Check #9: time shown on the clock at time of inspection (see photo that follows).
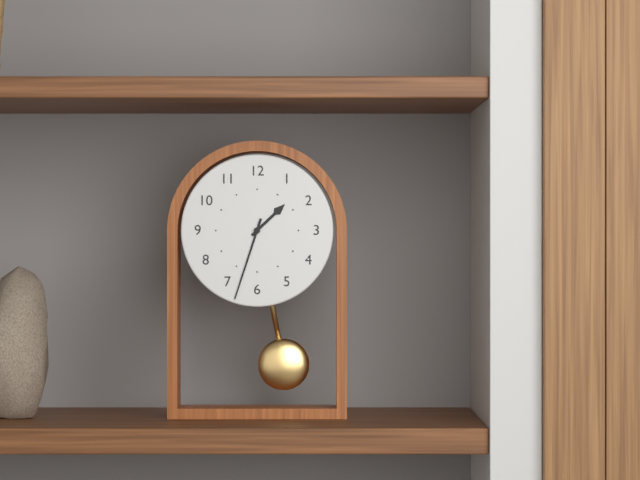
1:33
